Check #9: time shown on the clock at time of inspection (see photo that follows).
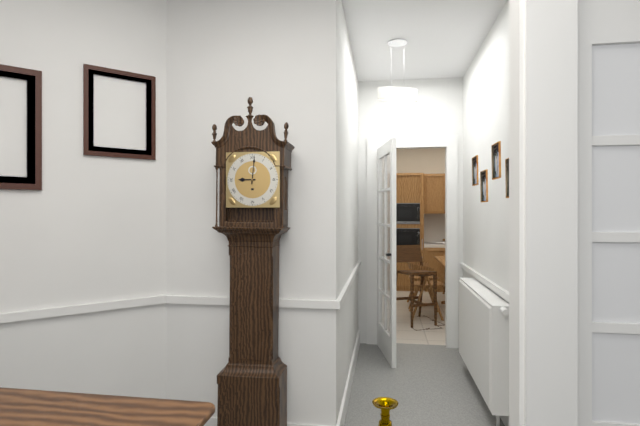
9:01
